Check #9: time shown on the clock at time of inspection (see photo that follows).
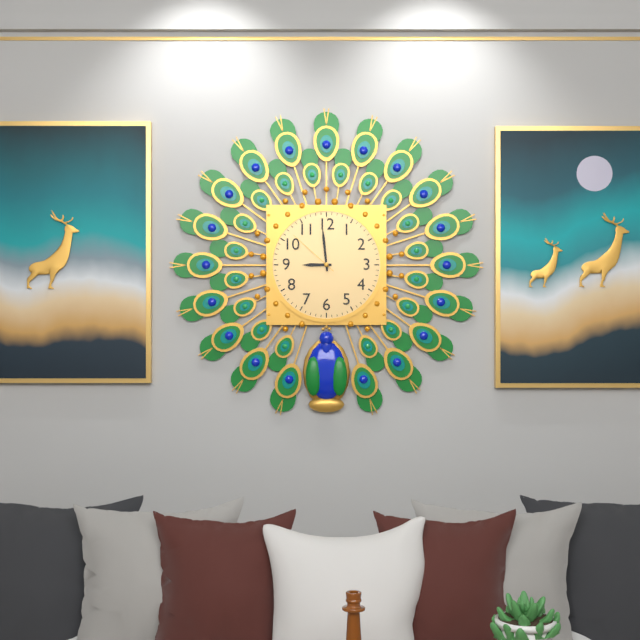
8:59:52
